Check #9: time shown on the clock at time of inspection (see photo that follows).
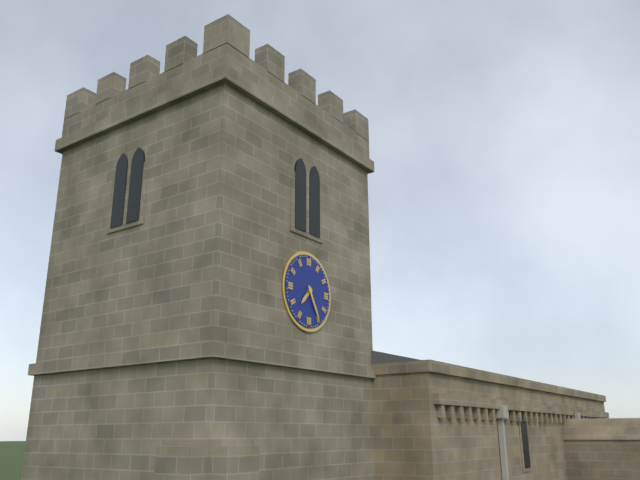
7:25
